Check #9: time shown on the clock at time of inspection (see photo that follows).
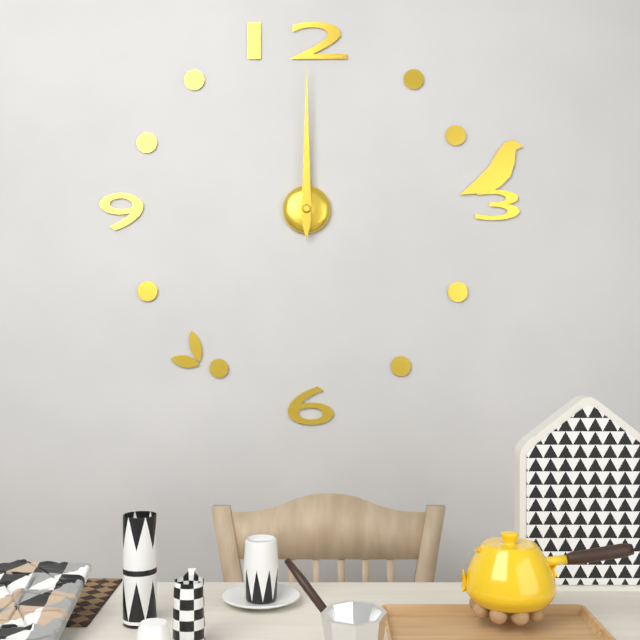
12:00
